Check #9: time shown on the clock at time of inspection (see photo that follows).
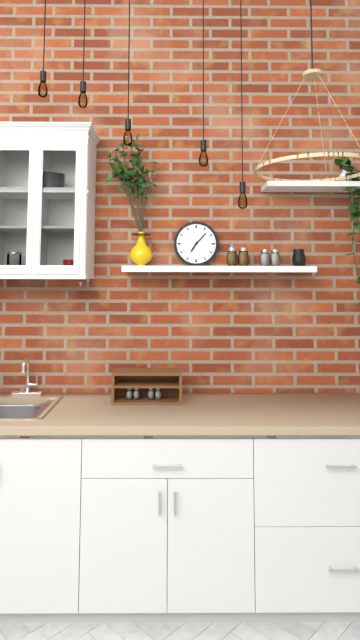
7:07
